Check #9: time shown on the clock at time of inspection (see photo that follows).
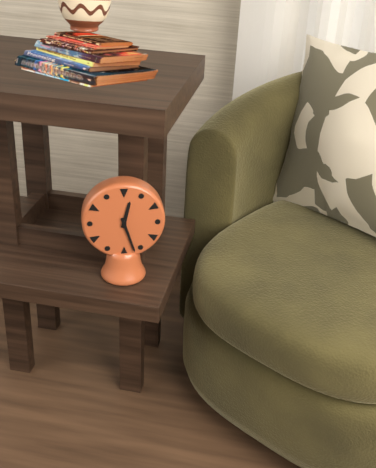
12:27
